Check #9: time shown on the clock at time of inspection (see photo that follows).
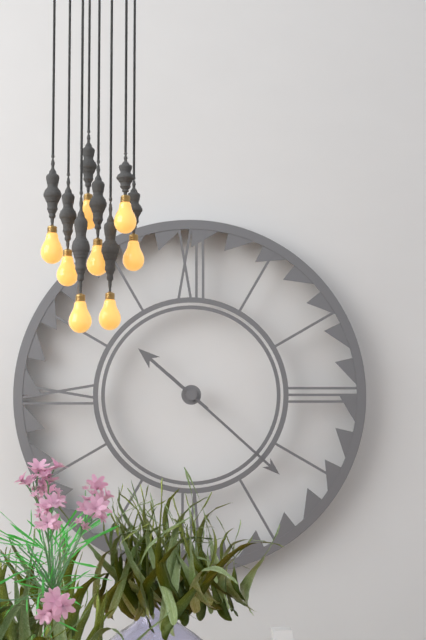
10:22
